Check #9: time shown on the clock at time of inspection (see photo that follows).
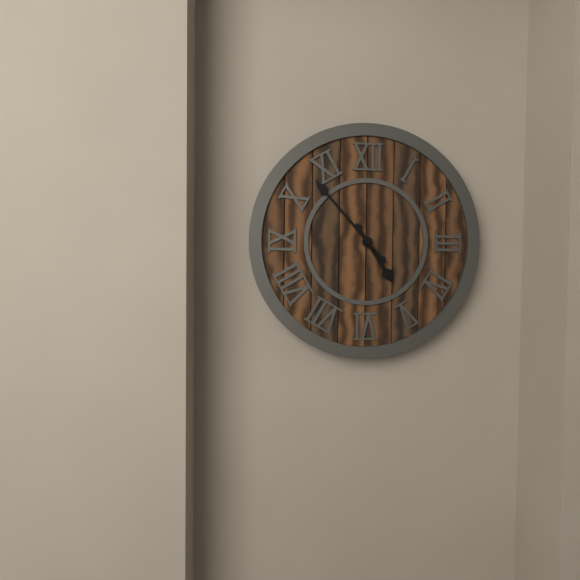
4:53
